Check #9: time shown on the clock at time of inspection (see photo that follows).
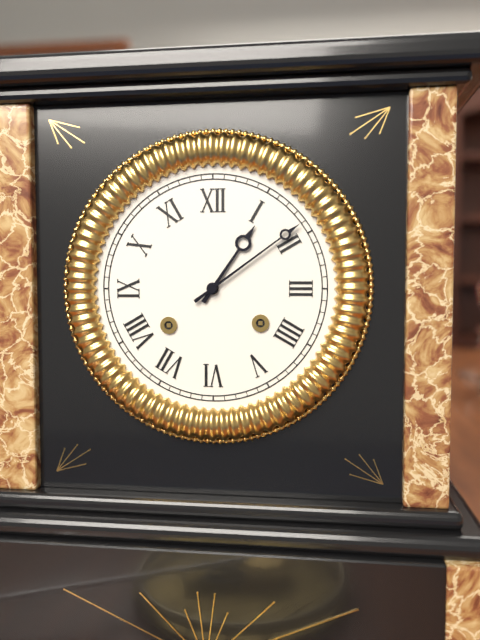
1:09
